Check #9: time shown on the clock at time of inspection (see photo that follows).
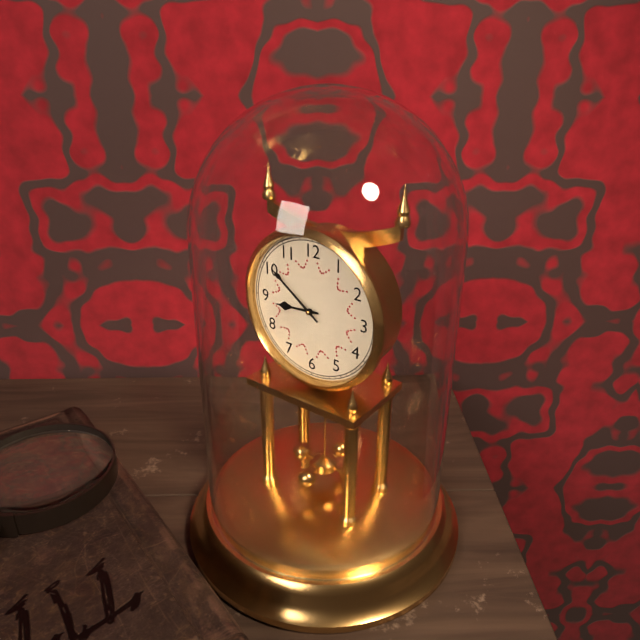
8:51
